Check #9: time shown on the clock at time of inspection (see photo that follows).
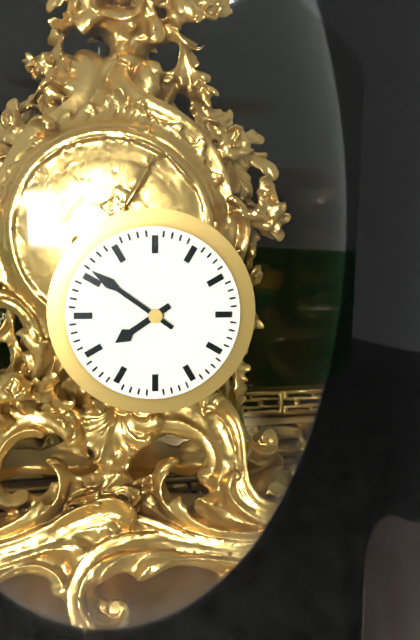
7:51
